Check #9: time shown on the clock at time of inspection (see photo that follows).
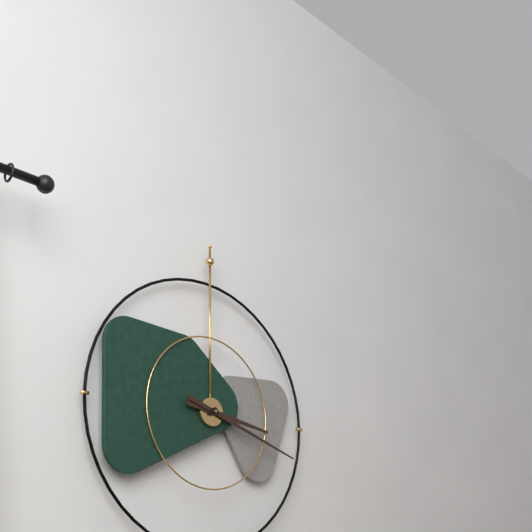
3:18
